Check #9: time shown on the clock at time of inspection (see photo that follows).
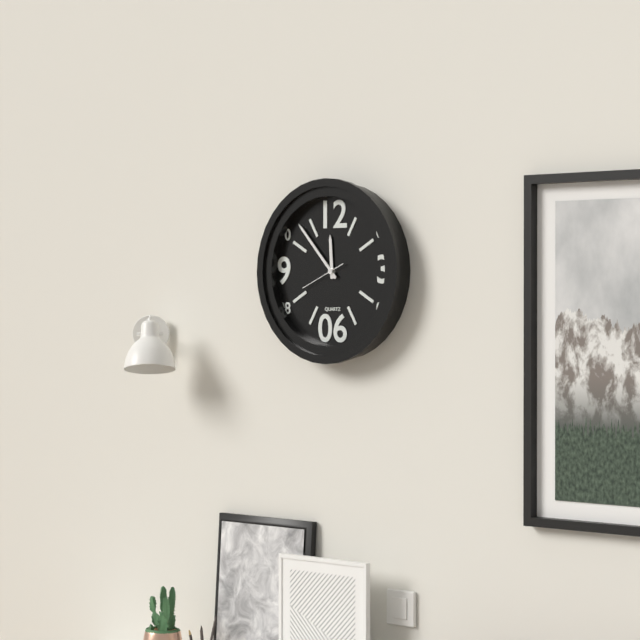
11:53:41
